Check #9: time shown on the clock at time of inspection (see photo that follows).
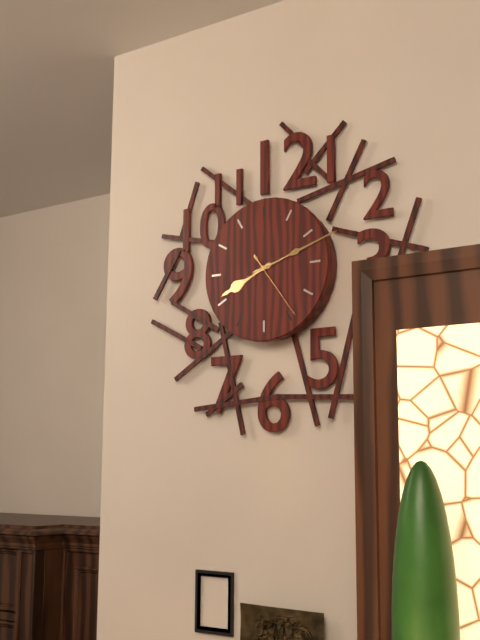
8:12:24
